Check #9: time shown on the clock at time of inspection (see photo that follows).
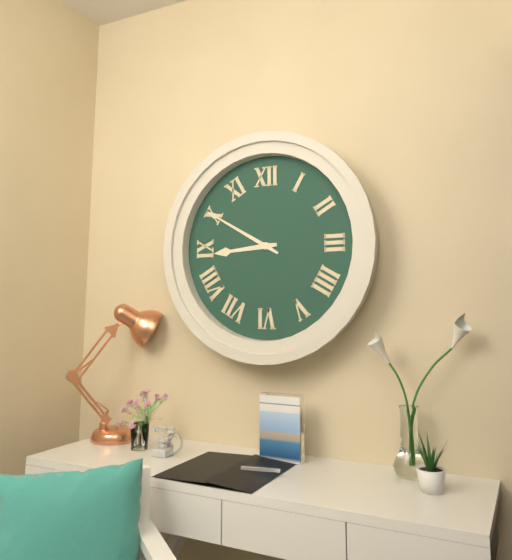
8:50
